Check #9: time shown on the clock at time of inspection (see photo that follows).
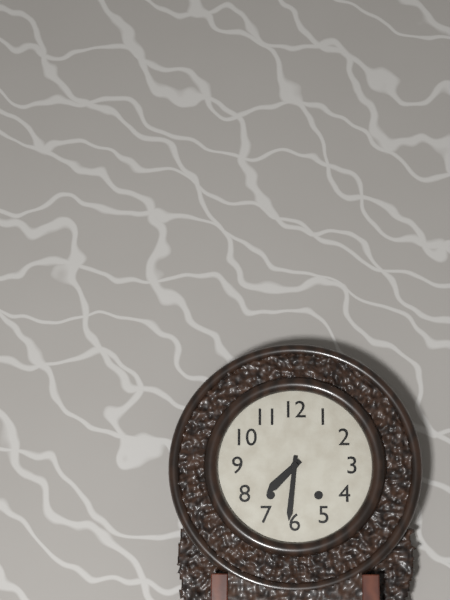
7:31
